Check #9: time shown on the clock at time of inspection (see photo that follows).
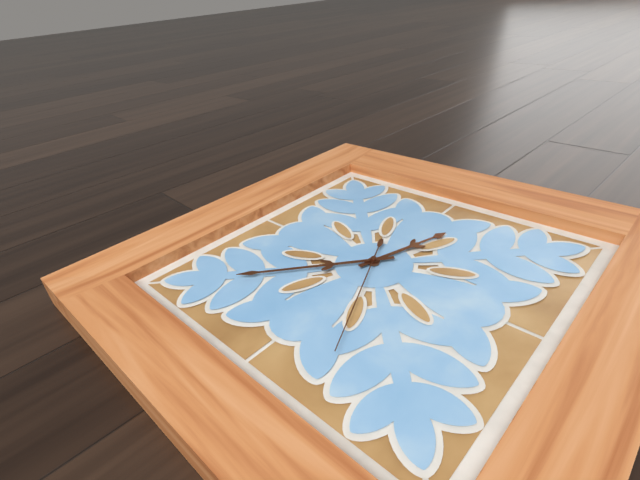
12:37:26
